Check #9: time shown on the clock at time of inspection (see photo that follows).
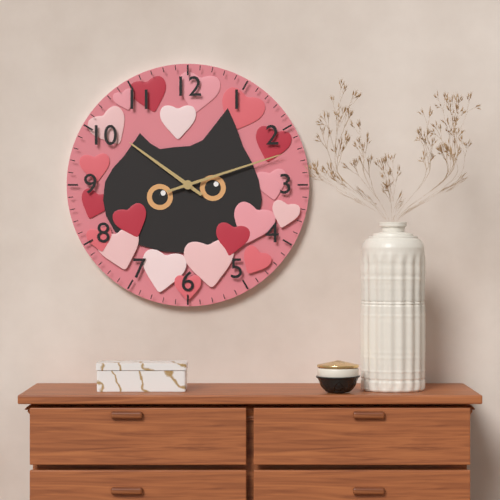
10:12
